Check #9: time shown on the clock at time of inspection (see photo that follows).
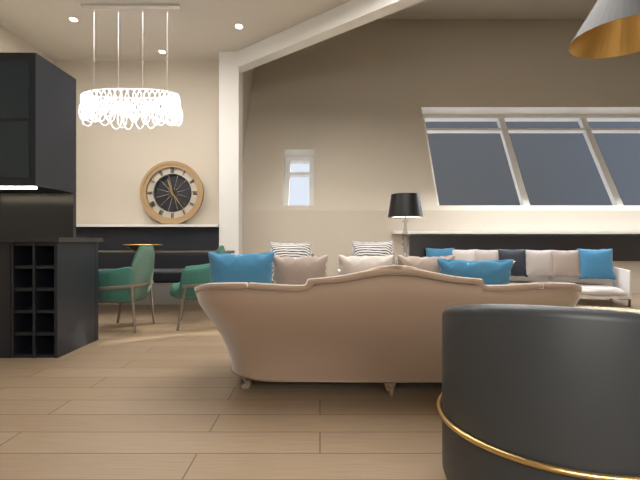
11:24
